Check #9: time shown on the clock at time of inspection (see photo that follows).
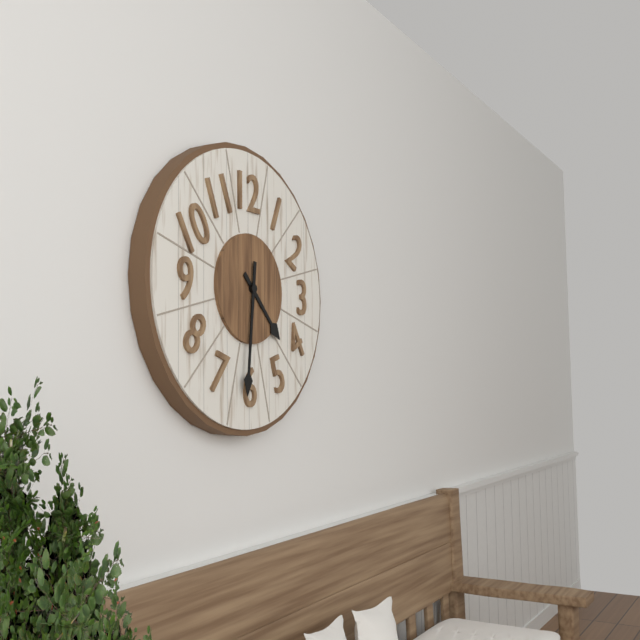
4:31
